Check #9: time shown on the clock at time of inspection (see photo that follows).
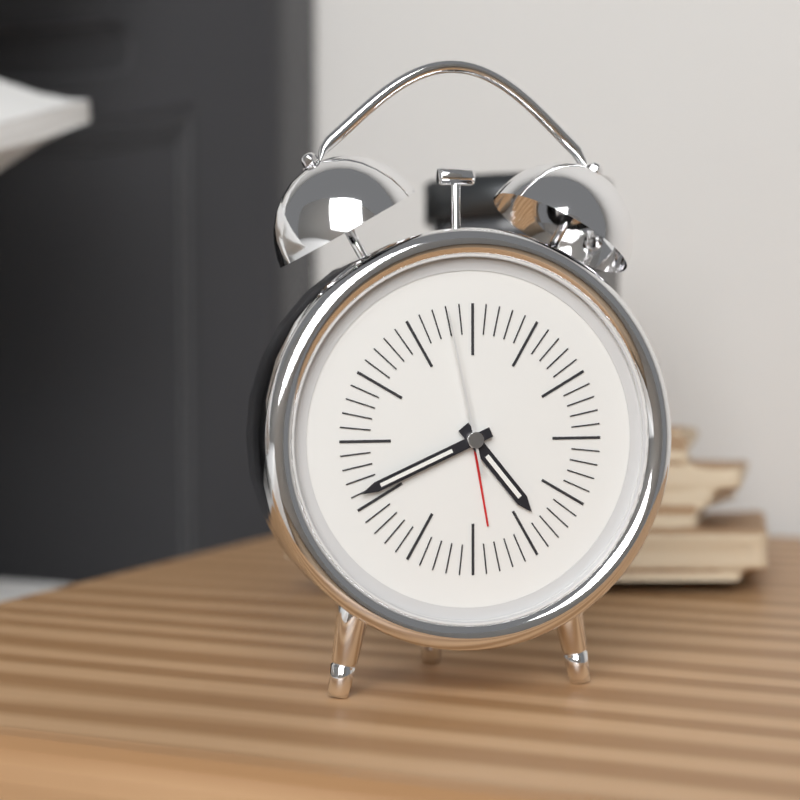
4:41:58
